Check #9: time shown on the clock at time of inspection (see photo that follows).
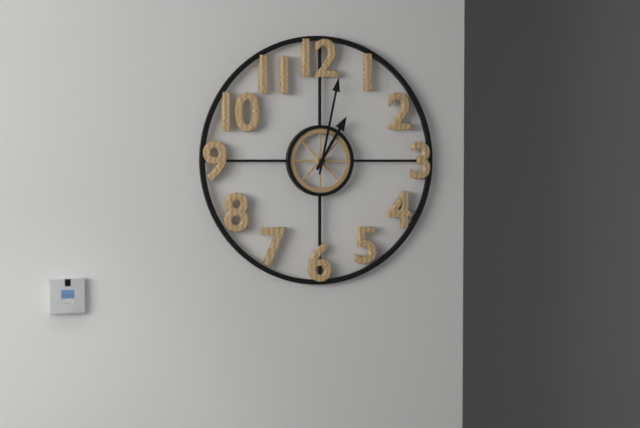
1:02
